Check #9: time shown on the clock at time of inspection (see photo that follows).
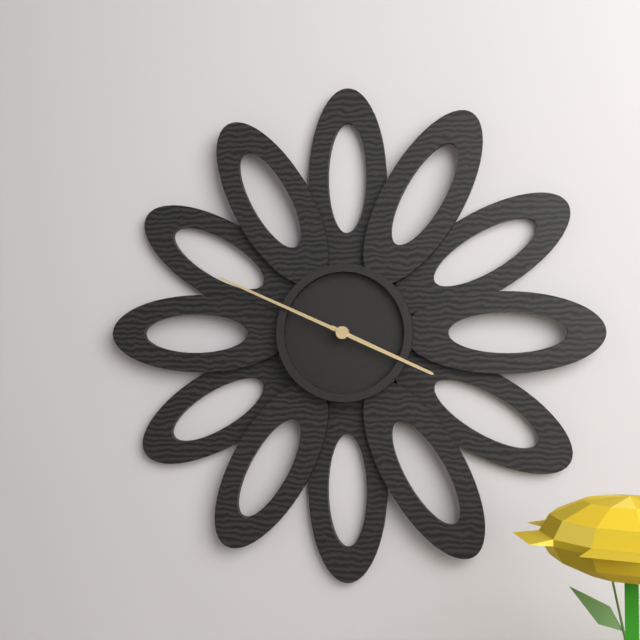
3:49
